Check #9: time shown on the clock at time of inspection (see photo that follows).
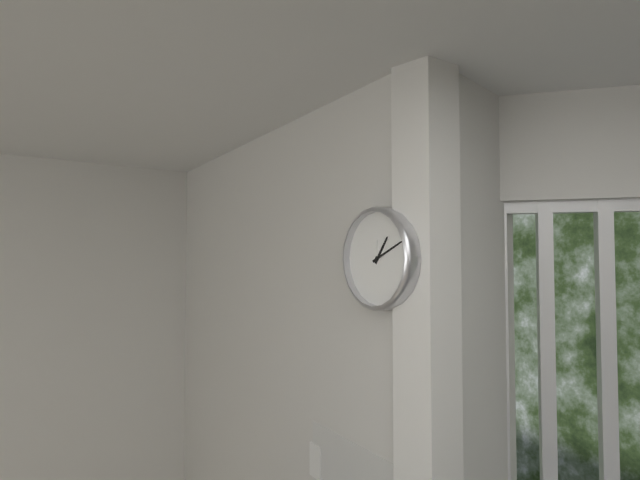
1:11
